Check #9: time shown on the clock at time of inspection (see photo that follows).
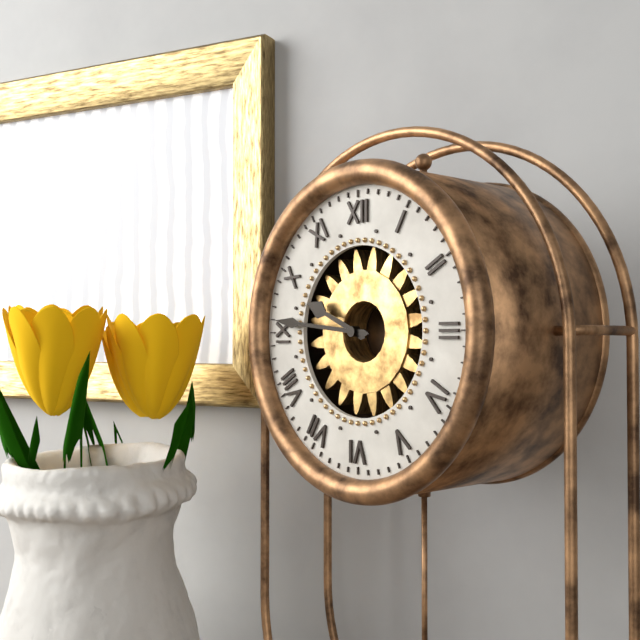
9:46
